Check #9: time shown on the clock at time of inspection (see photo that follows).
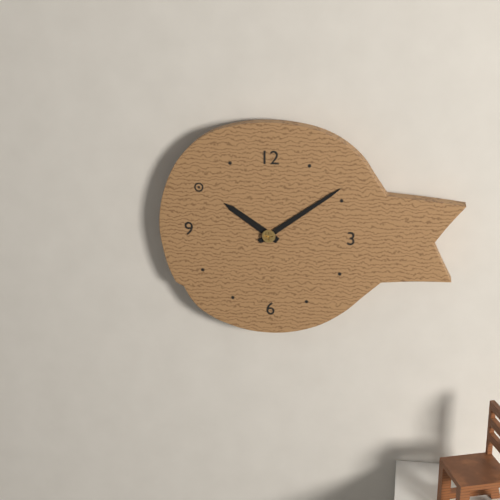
10:09
